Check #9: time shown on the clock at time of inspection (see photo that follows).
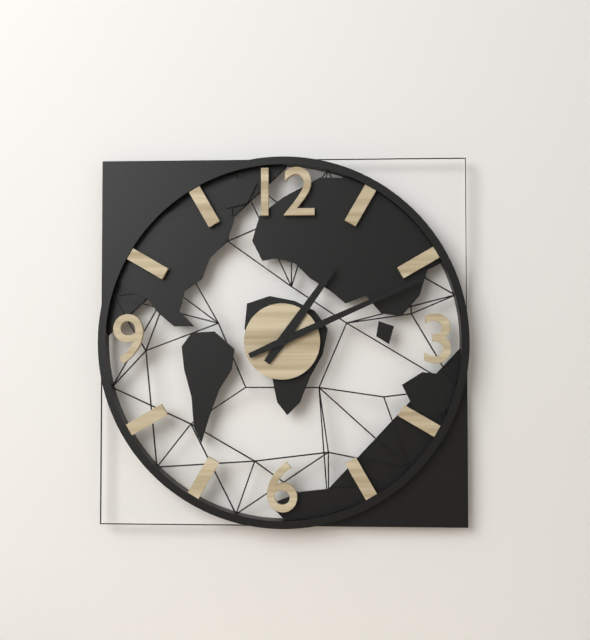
1:11
